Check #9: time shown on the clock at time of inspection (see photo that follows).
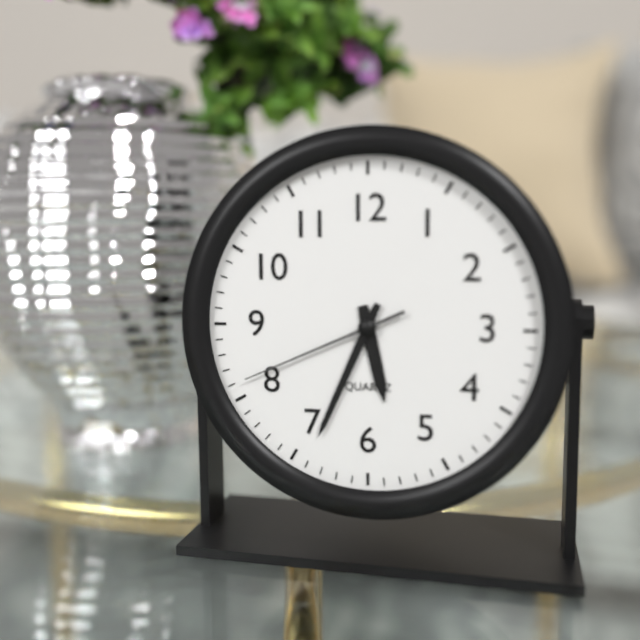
5:34:41
